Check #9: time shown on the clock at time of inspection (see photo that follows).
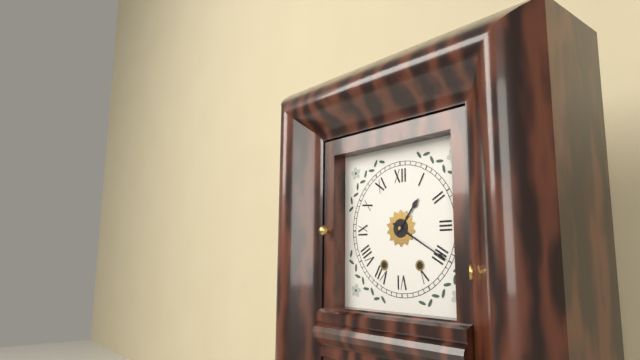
1:20
